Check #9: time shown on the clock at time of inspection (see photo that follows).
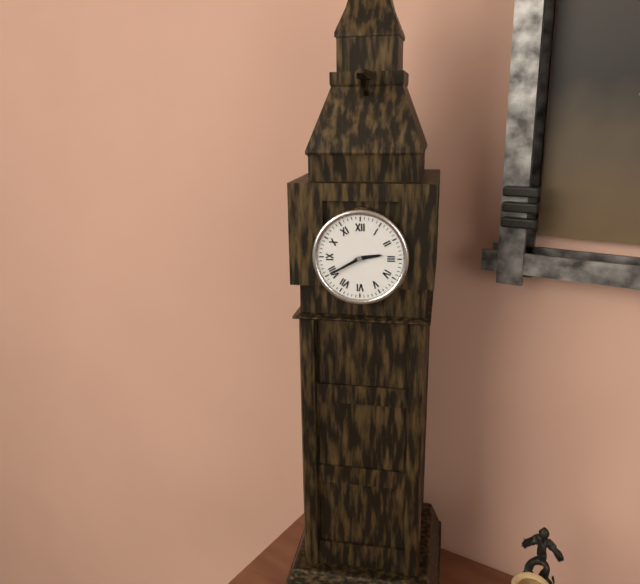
2:40
